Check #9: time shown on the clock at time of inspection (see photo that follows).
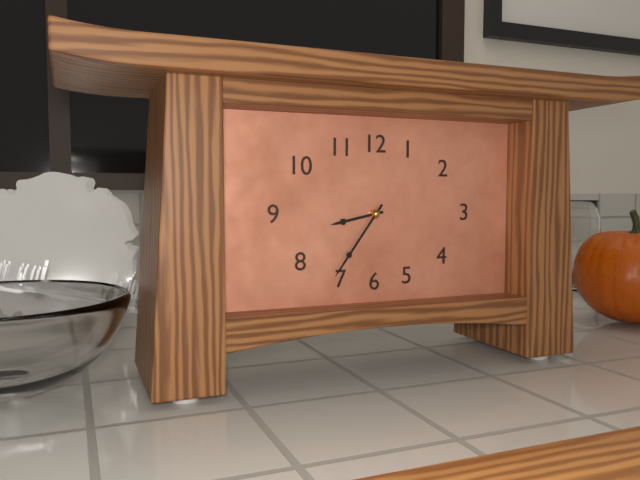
8:36
